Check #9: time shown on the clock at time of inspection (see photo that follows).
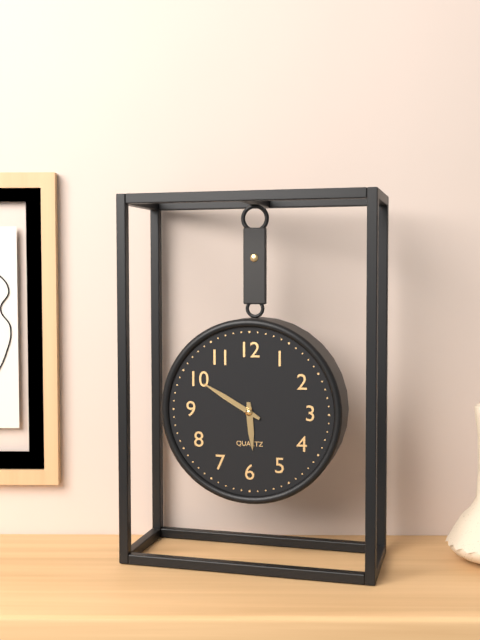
5:50
